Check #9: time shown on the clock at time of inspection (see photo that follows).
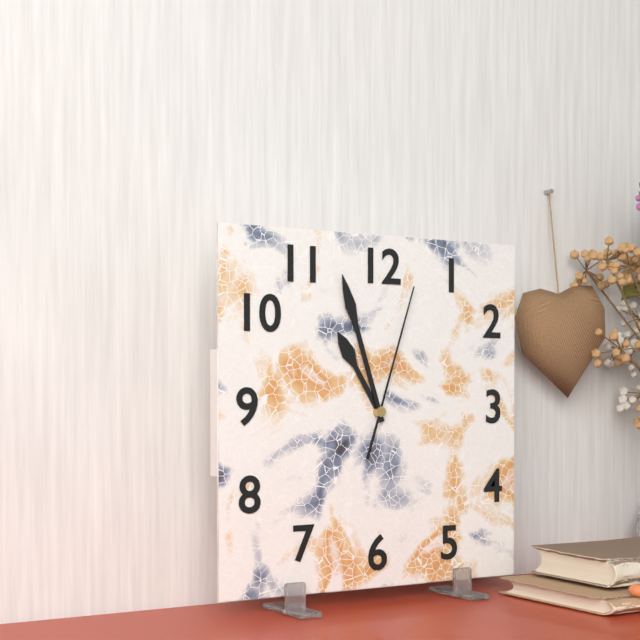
10:57:03
